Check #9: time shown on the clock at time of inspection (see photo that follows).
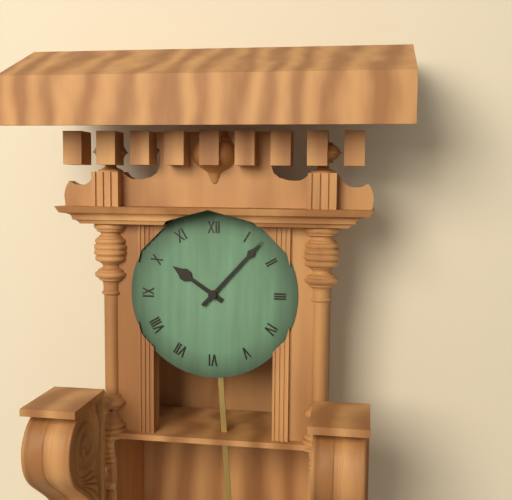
10:07
